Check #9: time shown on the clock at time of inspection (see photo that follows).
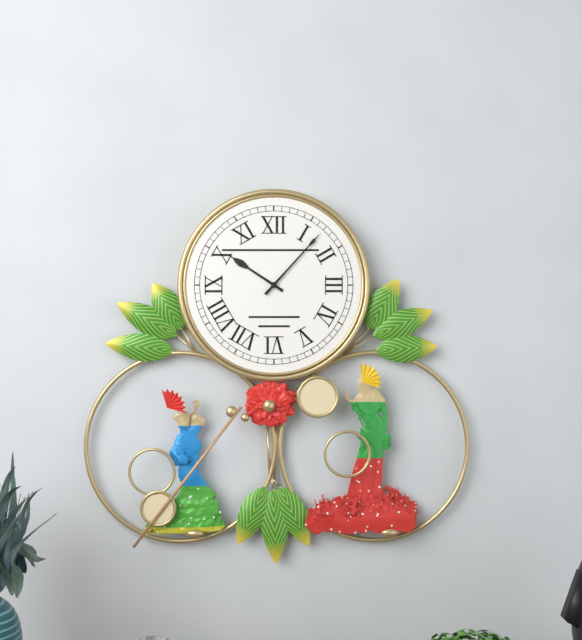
10:07
